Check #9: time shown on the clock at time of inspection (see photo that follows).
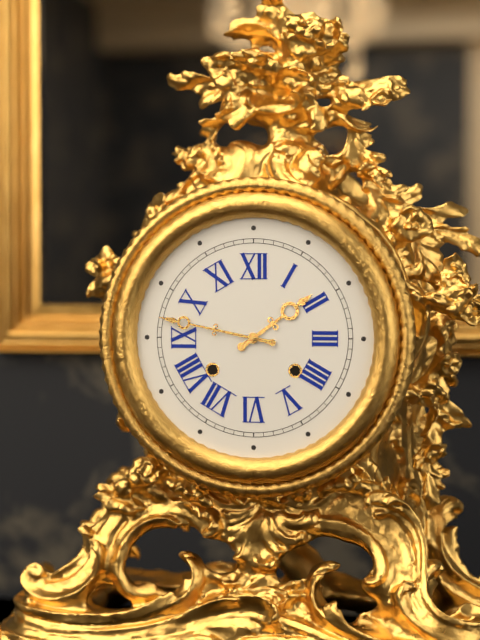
1:47
